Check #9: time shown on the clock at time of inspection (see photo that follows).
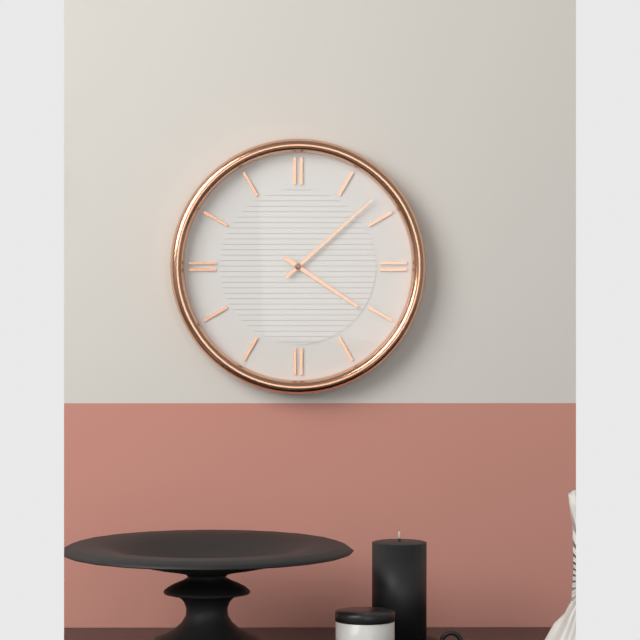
4:08
